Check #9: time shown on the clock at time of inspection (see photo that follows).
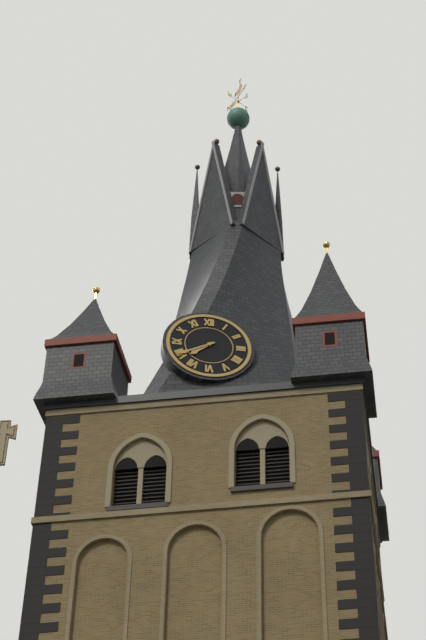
7:40
